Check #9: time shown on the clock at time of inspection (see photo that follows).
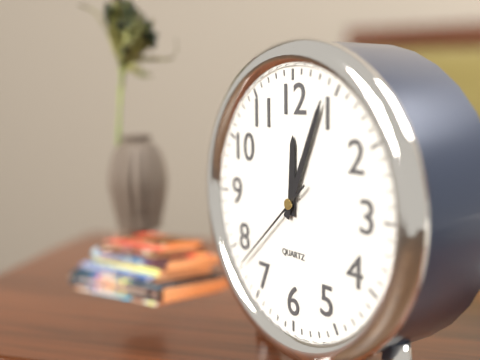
12:04:38
